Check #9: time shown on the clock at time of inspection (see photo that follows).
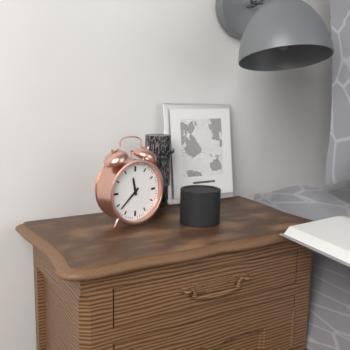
11:38
